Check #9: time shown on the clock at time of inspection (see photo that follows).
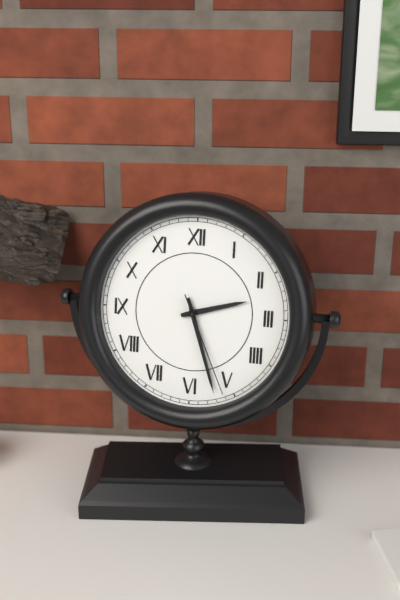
2:27:26
